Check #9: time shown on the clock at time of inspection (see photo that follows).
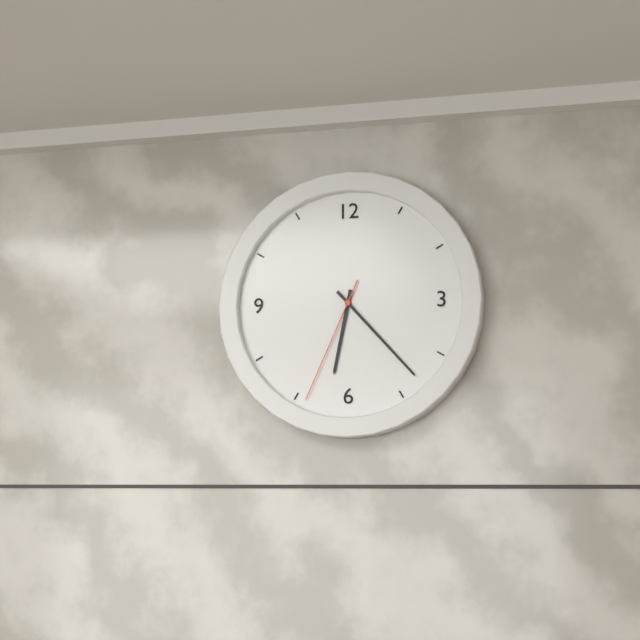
6:23:34
